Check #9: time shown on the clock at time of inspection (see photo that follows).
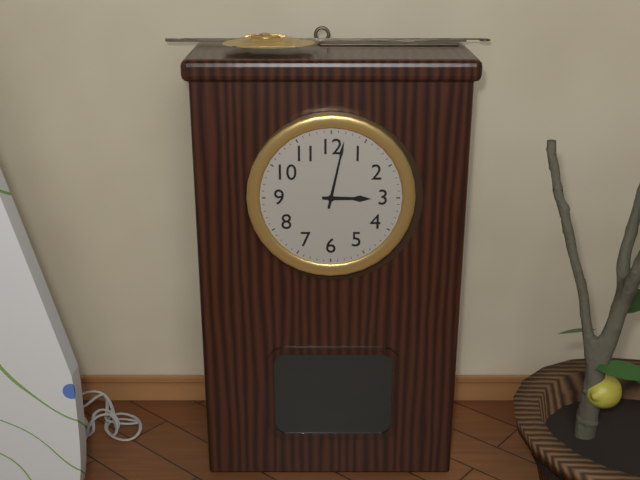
3:02
